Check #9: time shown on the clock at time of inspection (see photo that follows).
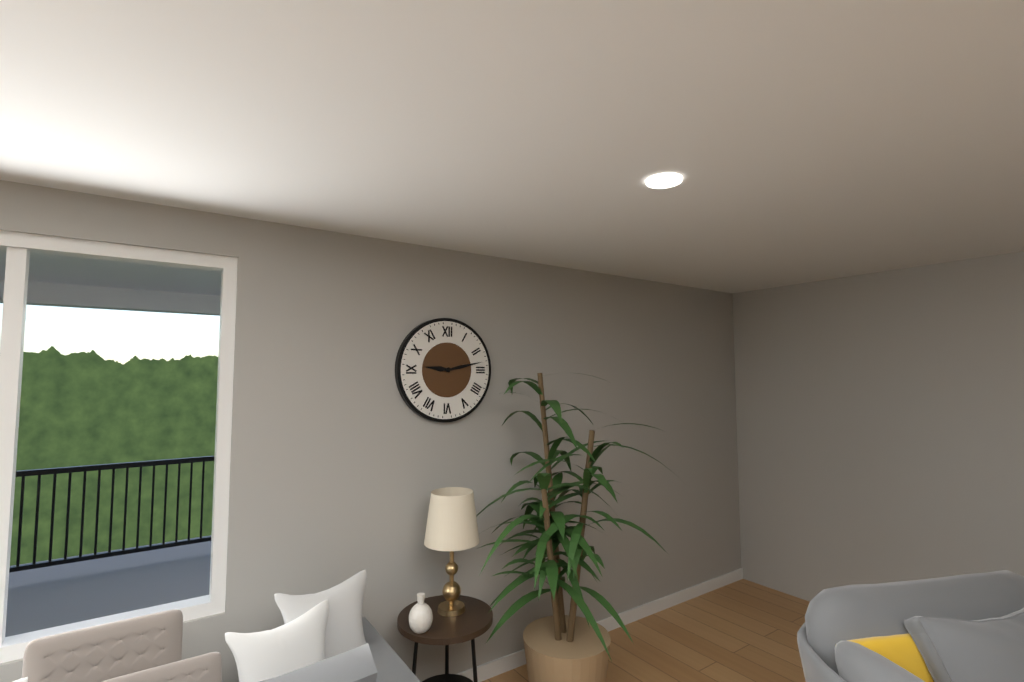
9:13
